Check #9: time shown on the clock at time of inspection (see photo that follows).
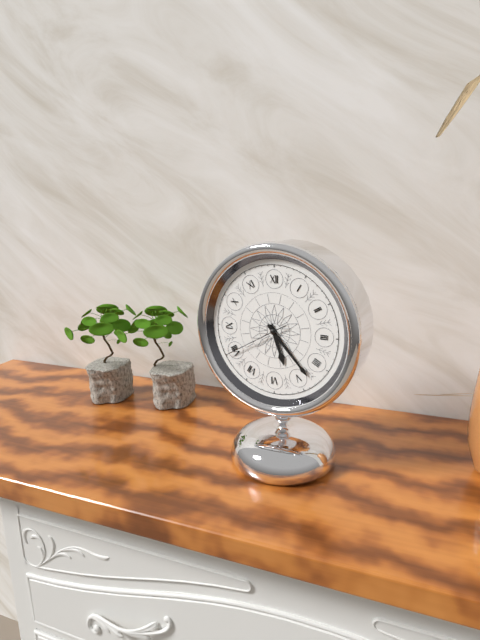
5:23:40
